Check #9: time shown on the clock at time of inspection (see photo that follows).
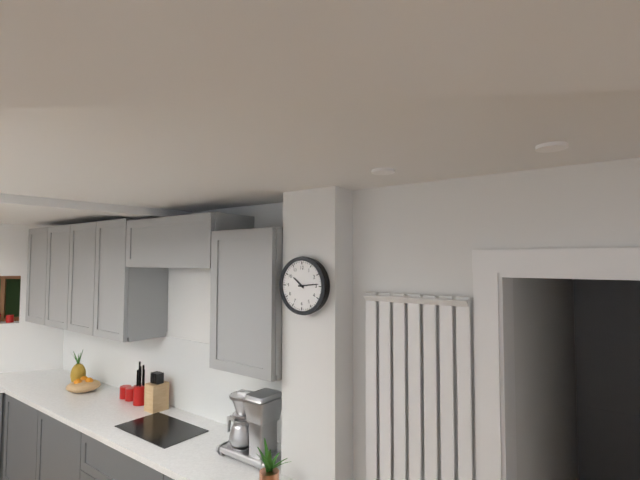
10:14
